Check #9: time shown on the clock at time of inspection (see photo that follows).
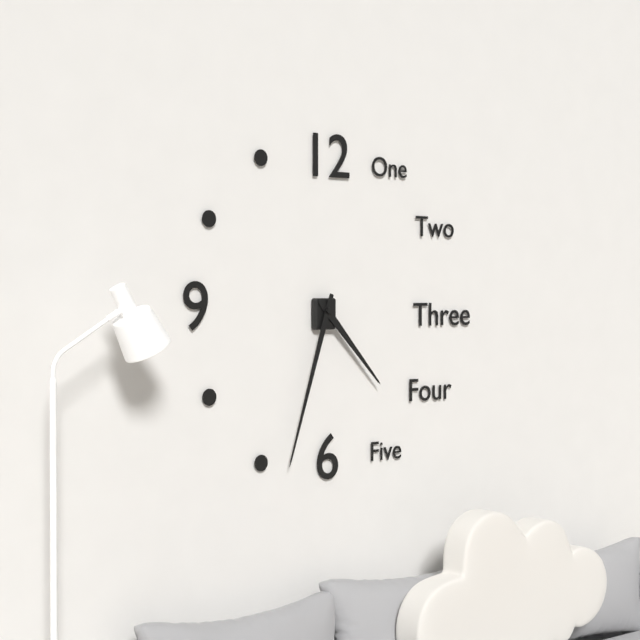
4:33
